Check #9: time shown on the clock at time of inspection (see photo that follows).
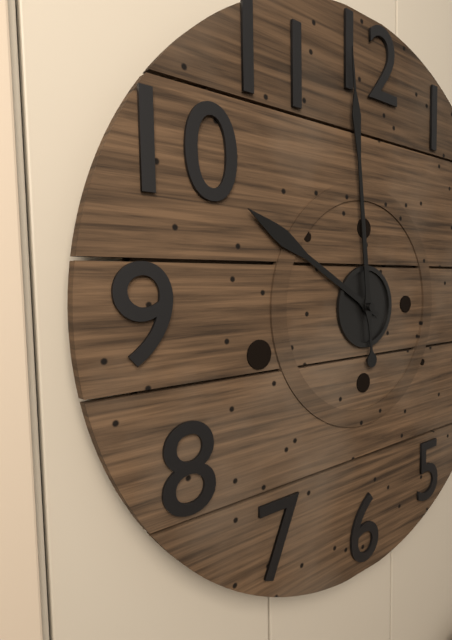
9:59
